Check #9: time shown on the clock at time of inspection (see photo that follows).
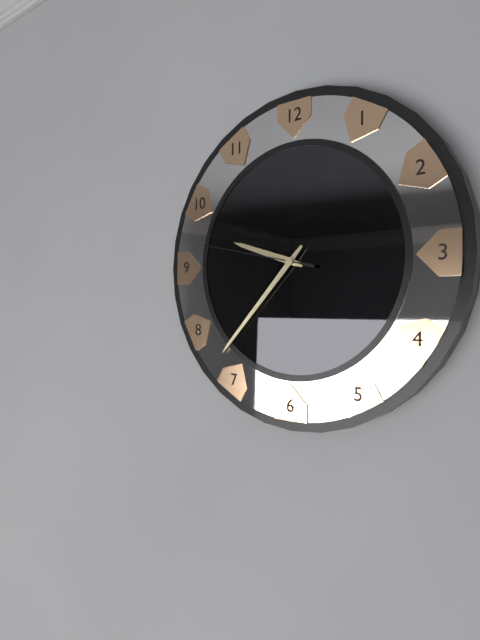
9:37:47
